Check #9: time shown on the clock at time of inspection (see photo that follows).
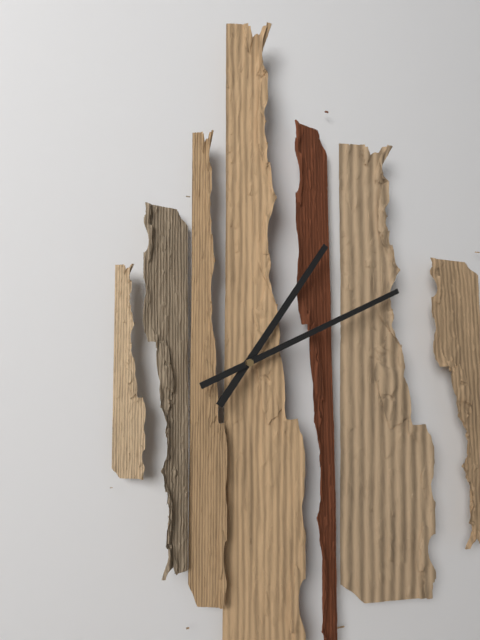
1:11
